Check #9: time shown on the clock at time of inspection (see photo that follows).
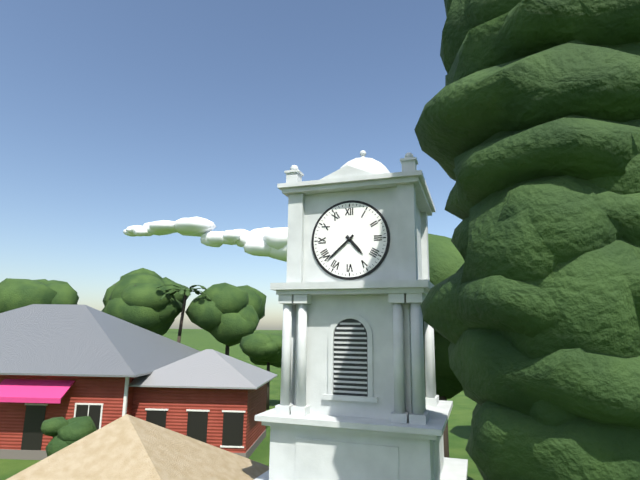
4:38
